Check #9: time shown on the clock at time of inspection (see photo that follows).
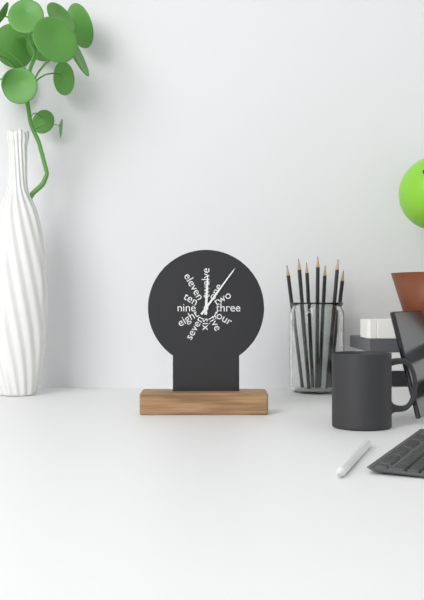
12:06
